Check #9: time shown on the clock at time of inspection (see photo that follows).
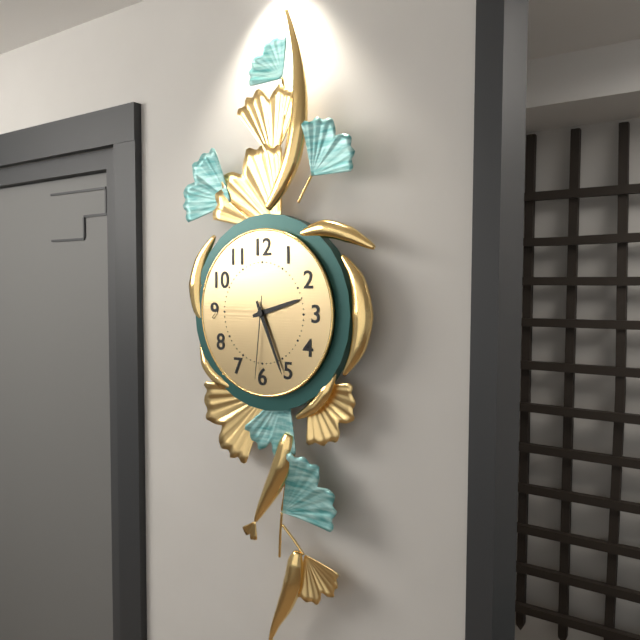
2:26:31
